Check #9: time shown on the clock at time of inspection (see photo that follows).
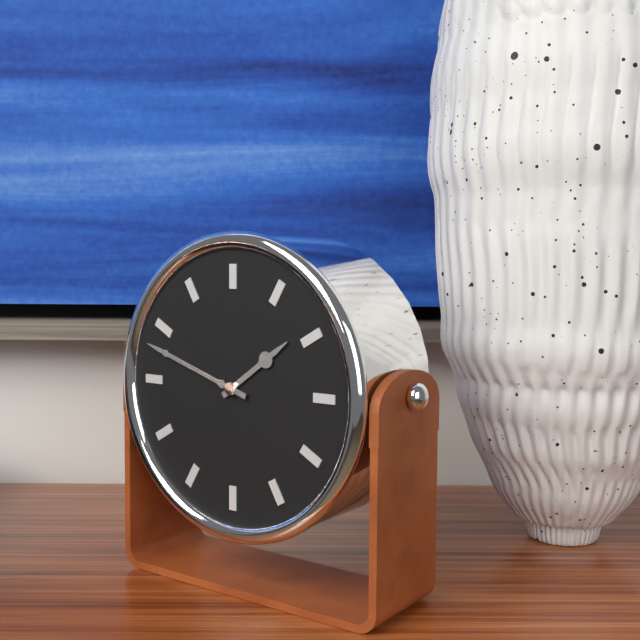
1:48
